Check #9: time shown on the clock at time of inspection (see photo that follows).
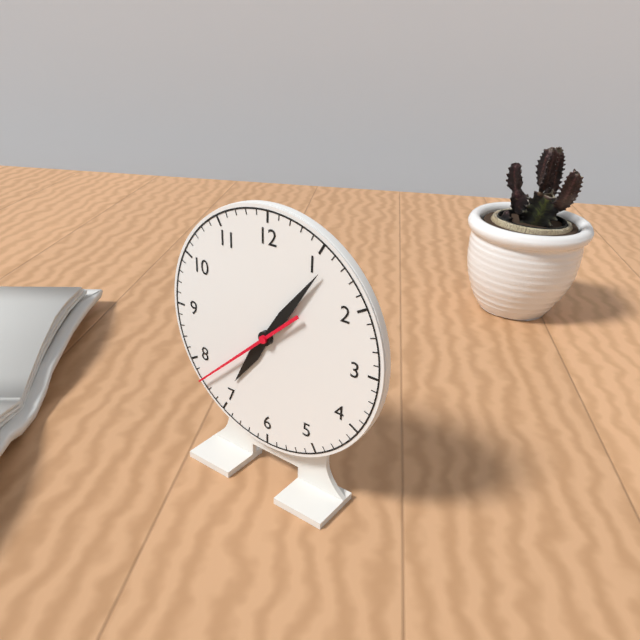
7:06:38
